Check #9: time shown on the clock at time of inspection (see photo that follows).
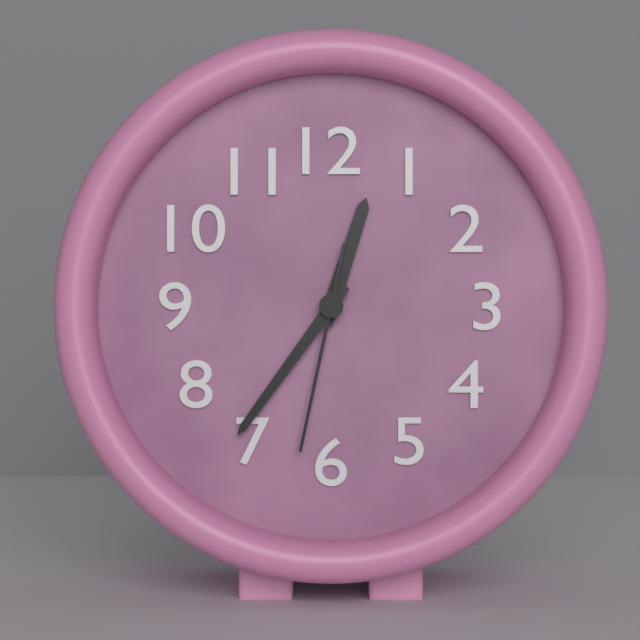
12:36:32
